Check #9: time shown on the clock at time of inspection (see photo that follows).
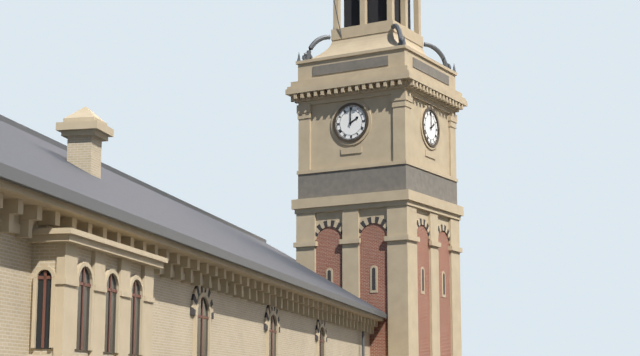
2:00
